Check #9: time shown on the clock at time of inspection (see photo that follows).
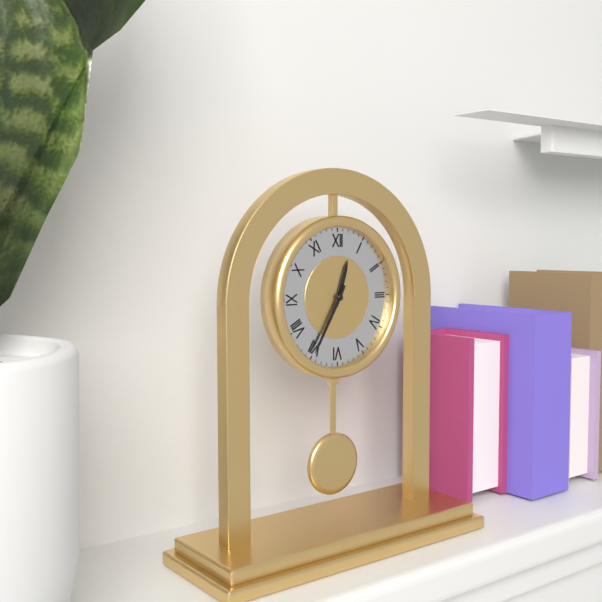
12:35
